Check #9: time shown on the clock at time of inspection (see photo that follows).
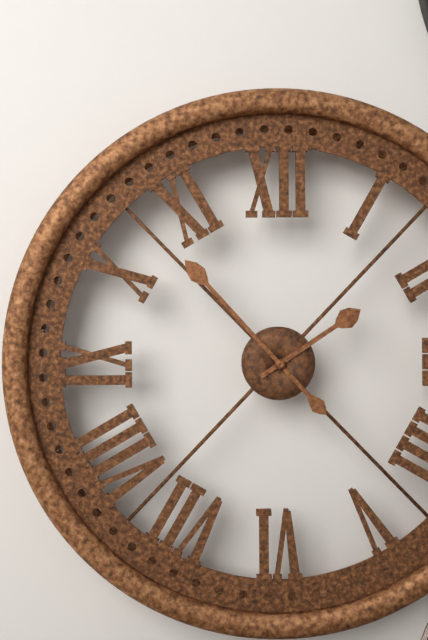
1:53
